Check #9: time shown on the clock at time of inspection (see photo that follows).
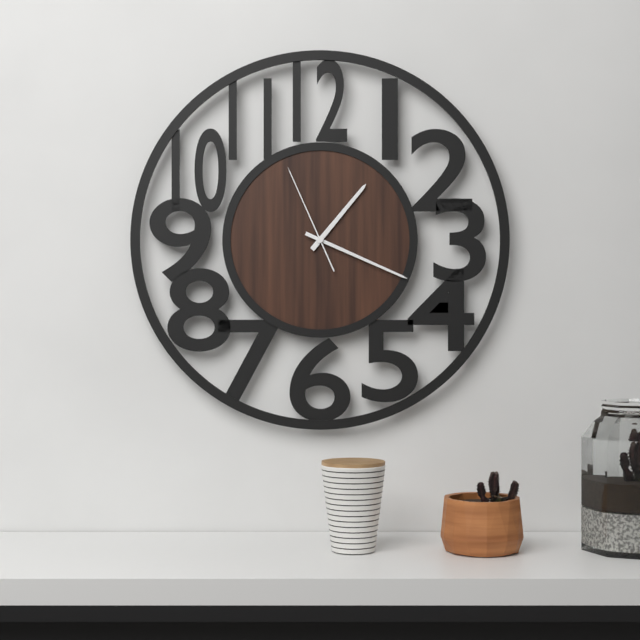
1:19:56
